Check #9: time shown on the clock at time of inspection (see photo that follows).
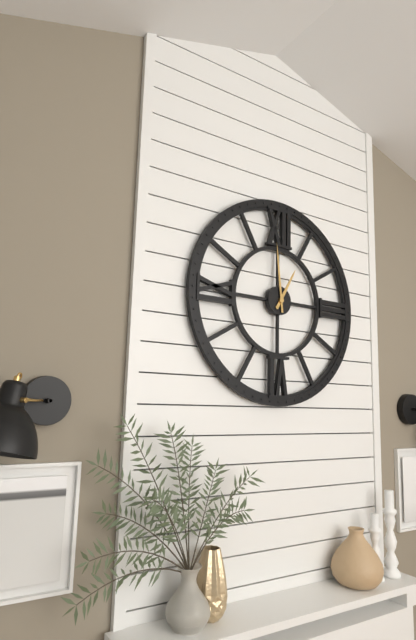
12:59
